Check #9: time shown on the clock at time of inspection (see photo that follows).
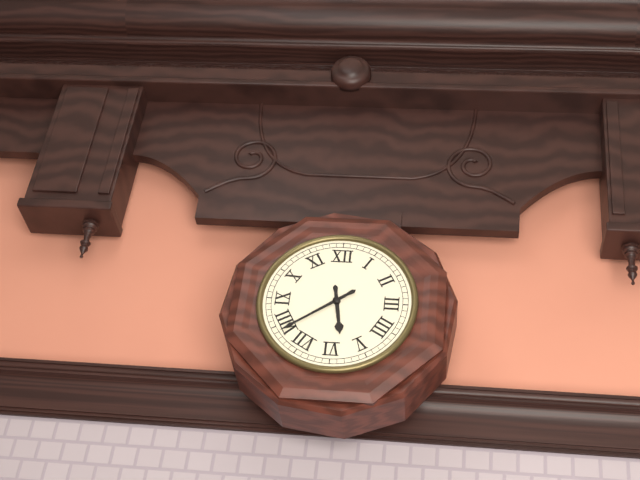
5:39
